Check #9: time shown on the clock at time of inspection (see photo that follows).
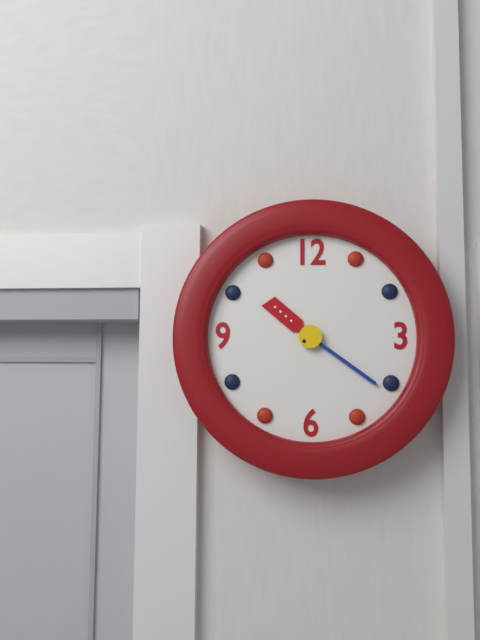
10:21
